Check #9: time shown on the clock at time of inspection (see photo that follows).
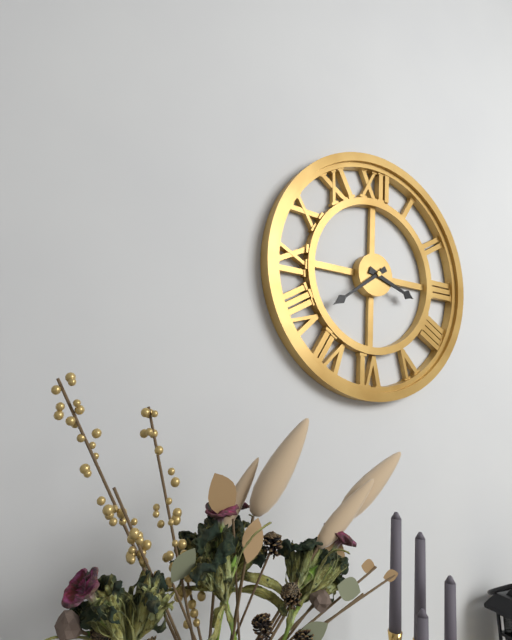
3:39
